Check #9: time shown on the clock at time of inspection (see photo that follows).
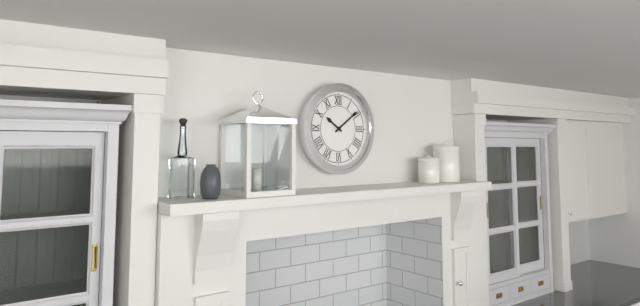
10:09
